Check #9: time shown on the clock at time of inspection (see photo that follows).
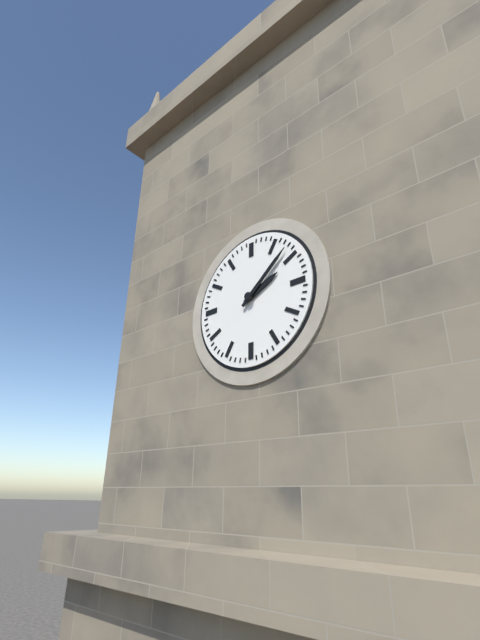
2:08
